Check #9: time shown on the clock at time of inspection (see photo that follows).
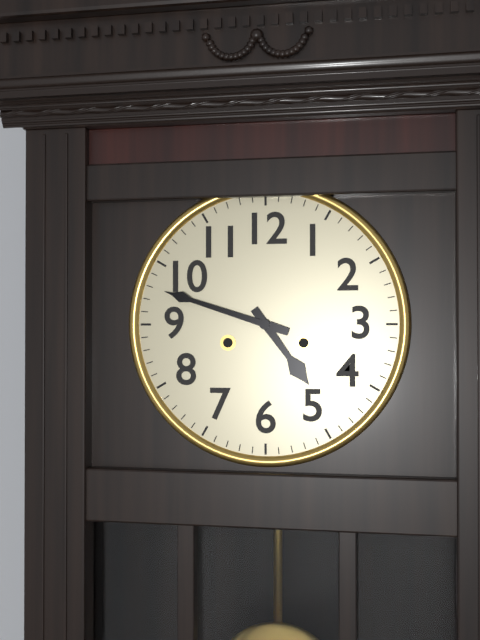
4:48
